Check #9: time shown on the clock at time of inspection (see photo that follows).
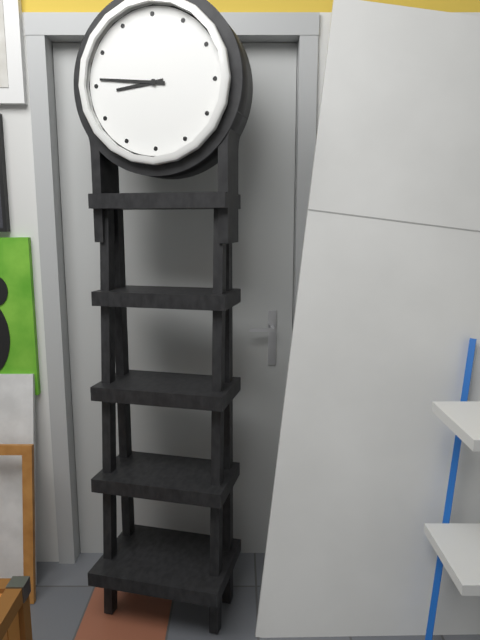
8:46
